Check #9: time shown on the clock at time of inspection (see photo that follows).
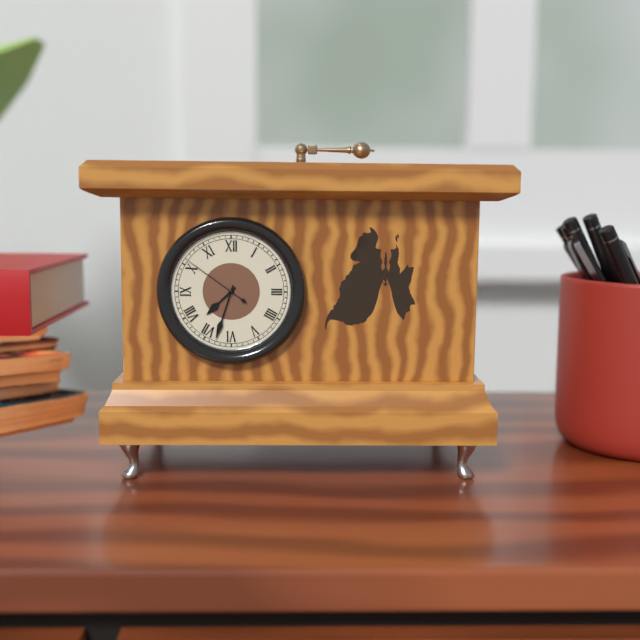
7:33:51
